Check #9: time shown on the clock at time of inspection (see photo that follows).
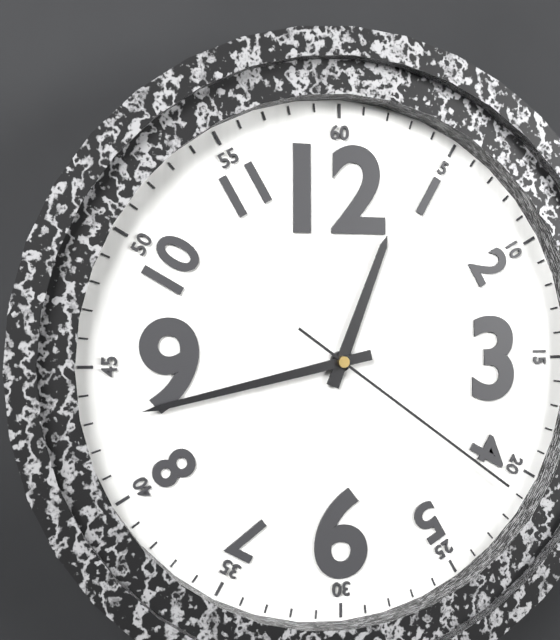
12:43:21
